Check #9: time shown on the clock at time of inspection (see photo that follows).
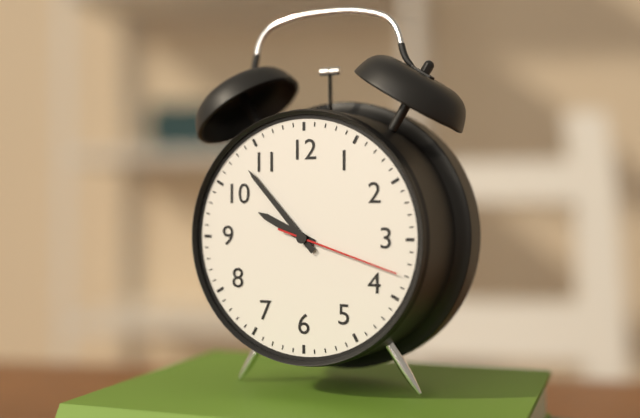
9:53:18
